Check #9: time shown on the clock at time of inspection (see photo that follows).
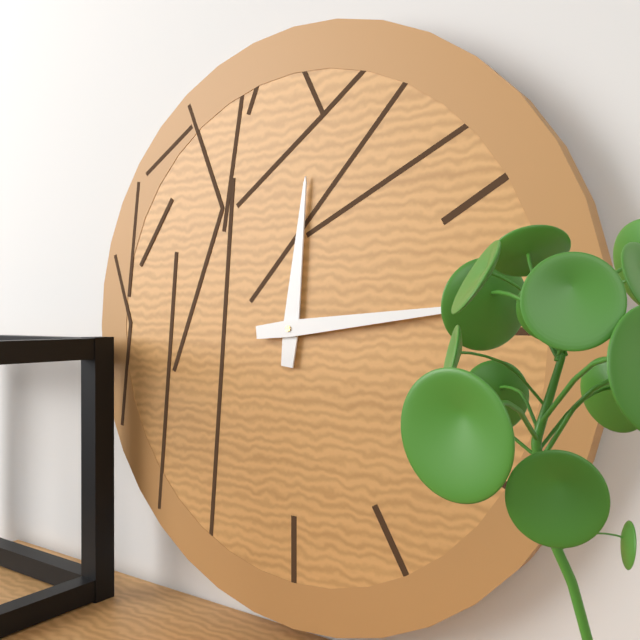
12:14
